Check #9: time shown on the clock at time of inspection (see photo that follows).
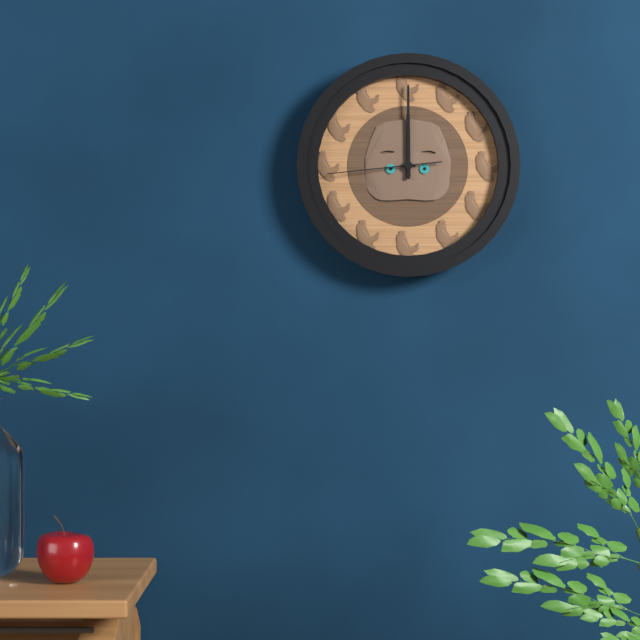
12:00:44
